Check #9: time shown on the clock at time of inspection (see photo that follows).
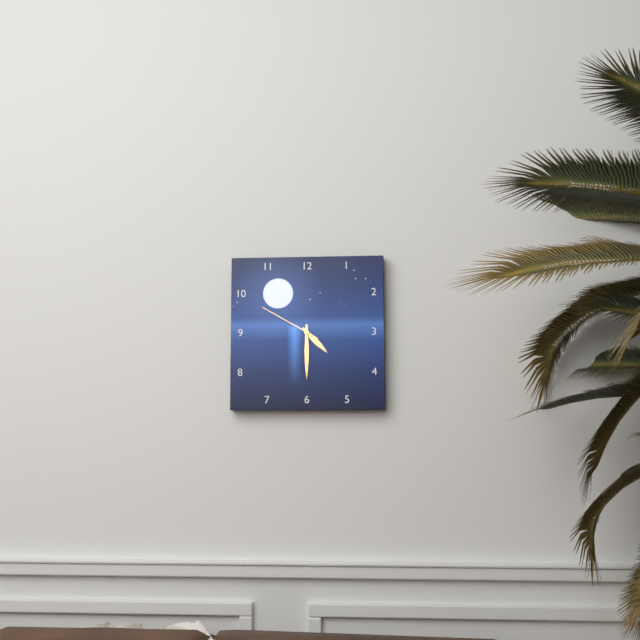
4:30:50
